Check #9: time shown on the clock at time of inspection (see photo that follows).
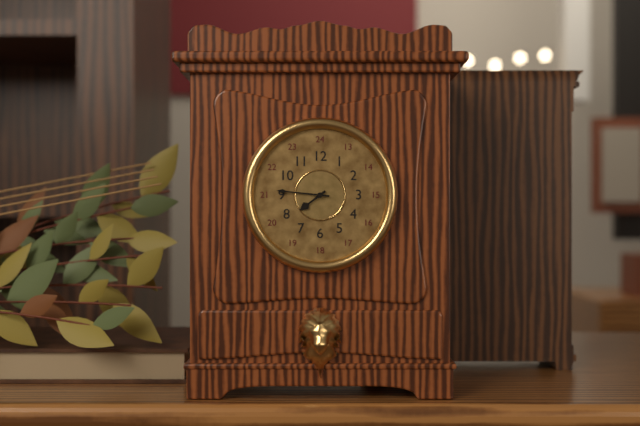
7:46
